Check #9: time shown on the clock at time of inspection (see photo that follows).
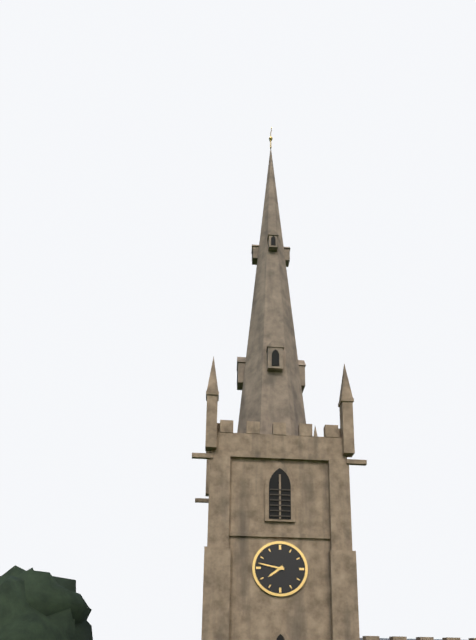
7:47
